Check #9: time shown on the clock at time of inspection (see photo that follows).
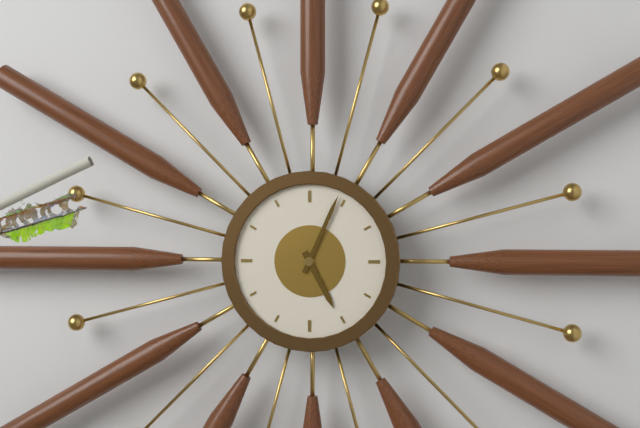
5:04
